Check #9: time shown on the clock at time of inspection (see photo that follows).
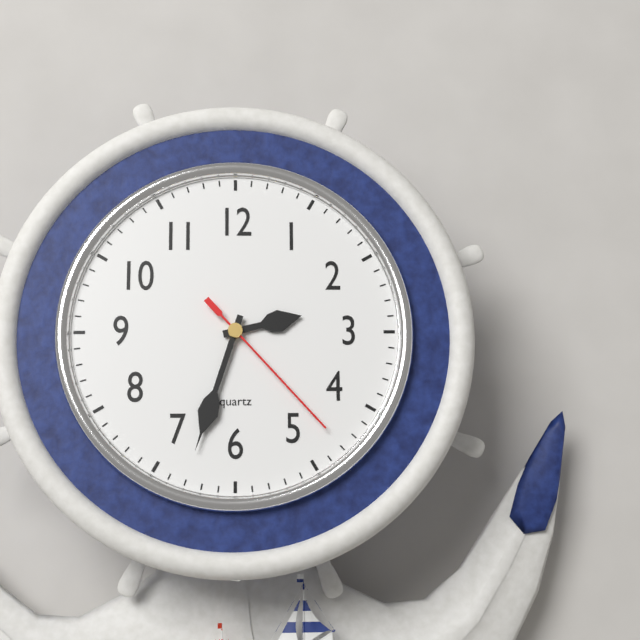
2:33:23
